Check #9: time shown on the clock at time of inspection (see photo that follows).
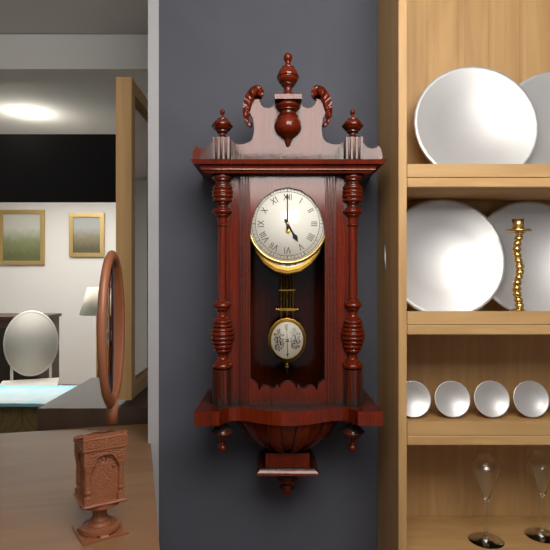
5:00
